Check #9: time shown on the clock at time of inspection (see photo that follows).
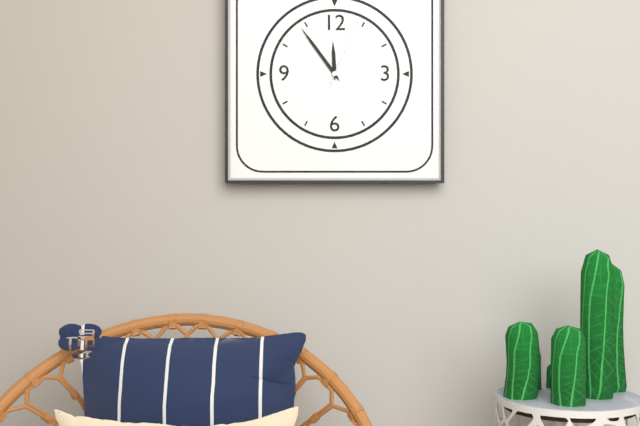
11:54:04
